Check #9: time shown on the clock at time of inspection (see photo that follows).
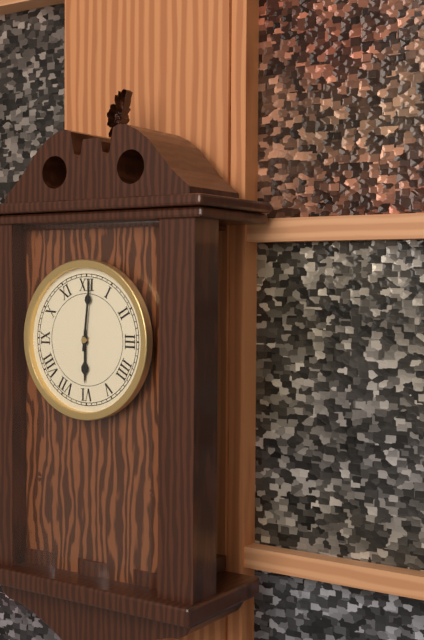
6:01
